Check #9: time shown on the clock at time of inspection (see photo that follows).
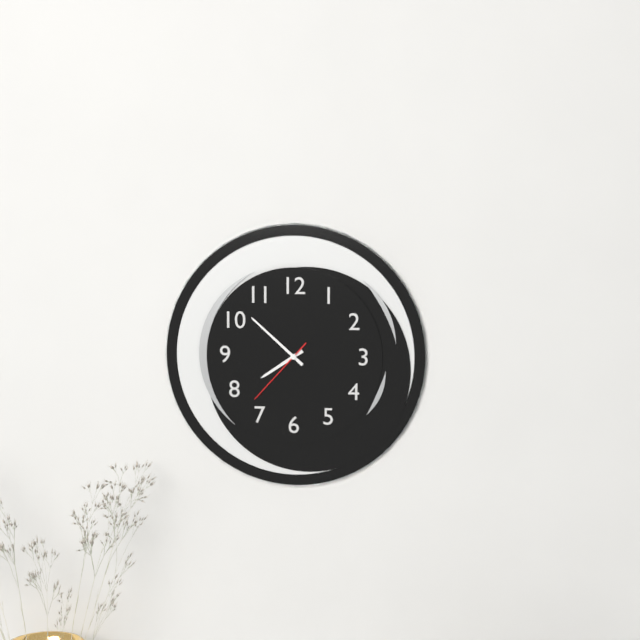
7:52:37
